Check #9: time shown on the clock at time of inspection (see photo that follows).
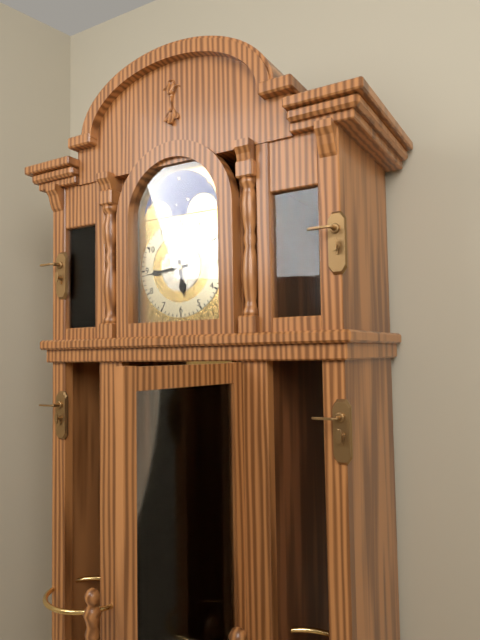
5:44
